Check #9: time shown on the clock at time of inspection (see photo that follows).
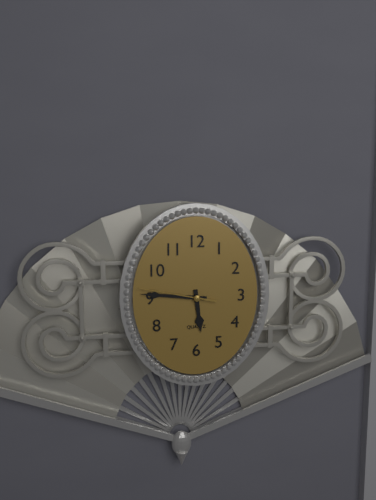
5:46:47
